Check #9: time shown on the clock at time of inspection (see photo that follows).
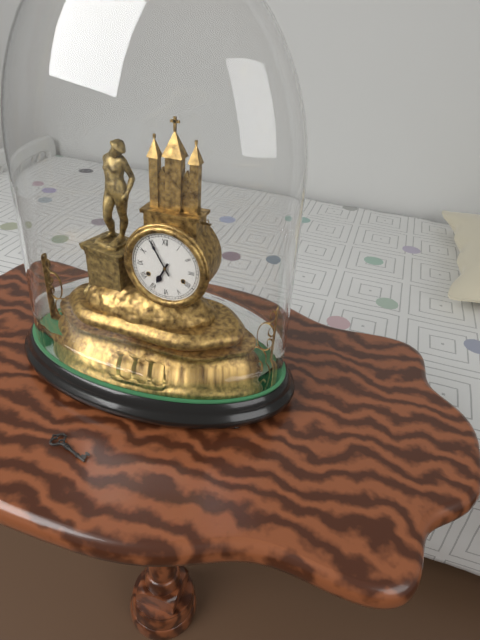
6:55
